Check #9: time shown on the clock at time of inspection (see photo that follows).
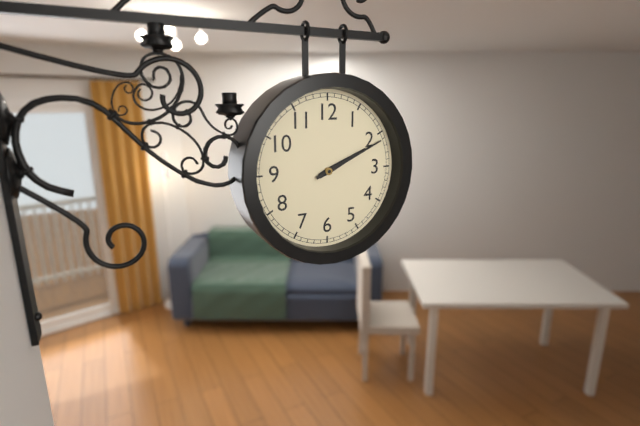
2:11
